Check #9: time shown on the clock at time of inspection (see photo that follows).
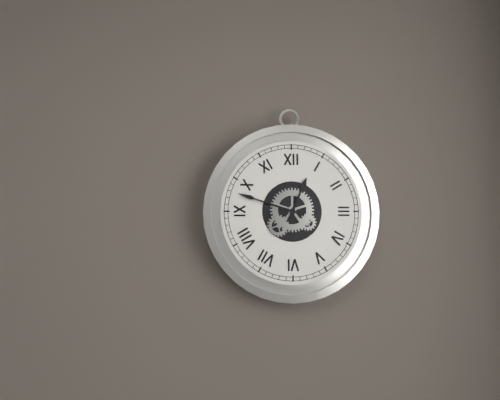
12:48
